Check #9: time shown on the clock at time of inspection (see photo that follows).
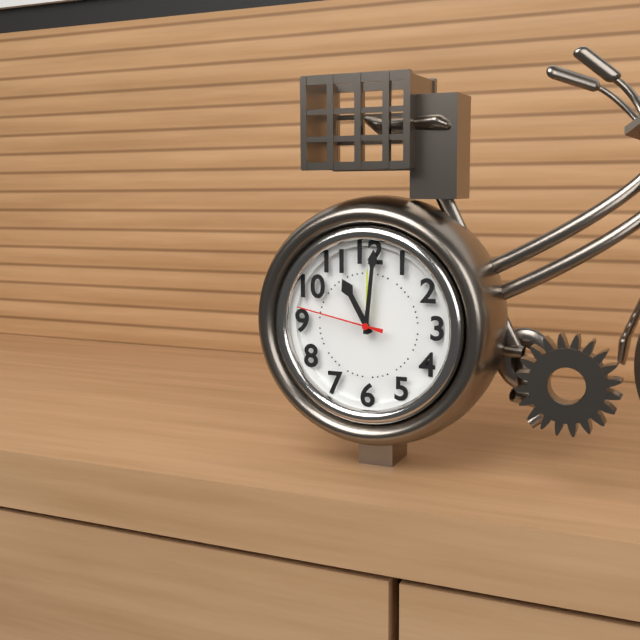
11:01:47
